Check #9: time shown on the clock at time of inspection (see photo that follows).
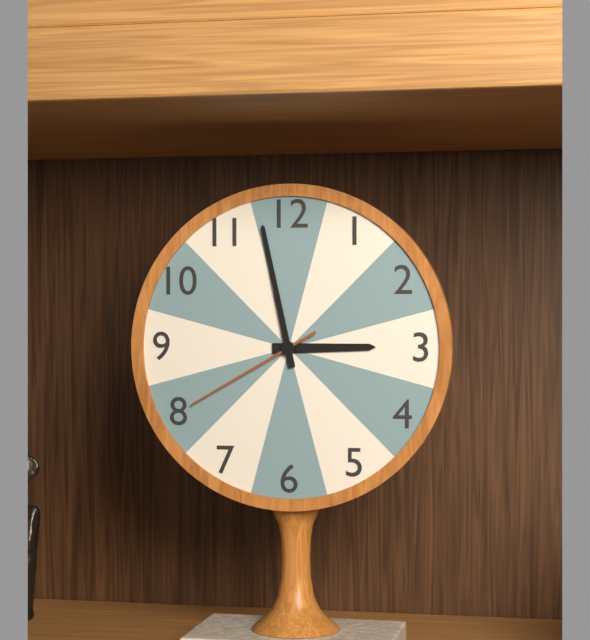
2:58:40
